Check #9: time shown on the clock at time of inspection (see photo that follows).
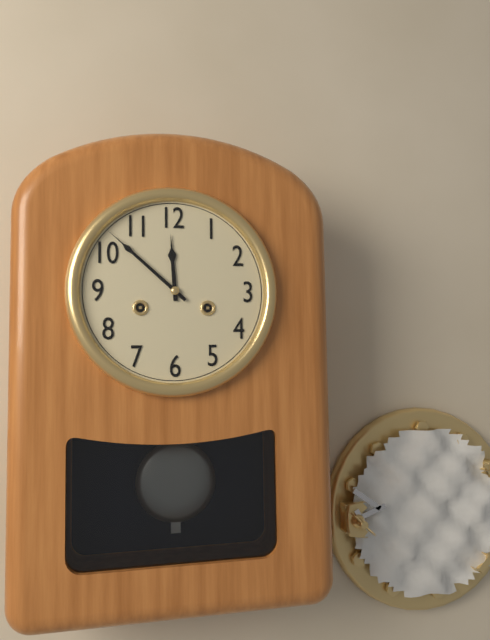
11:52
